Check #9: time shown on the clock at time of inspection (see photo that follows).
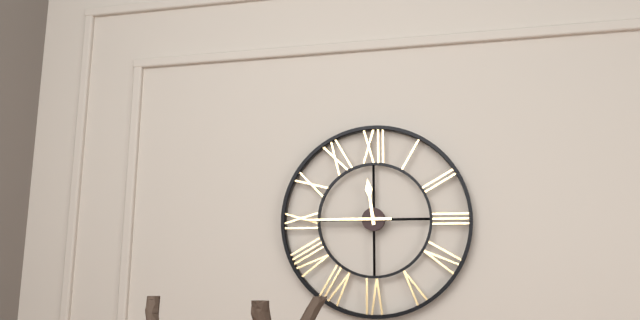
11:45
